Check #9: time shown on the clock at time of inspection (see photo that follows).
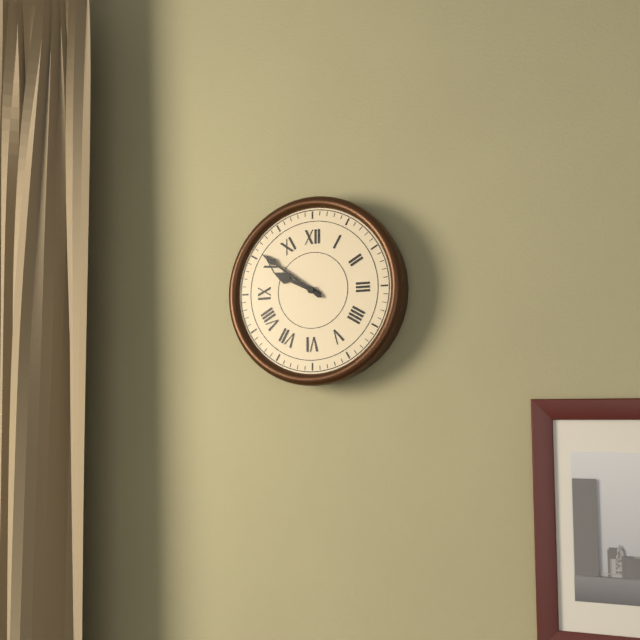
9:51
